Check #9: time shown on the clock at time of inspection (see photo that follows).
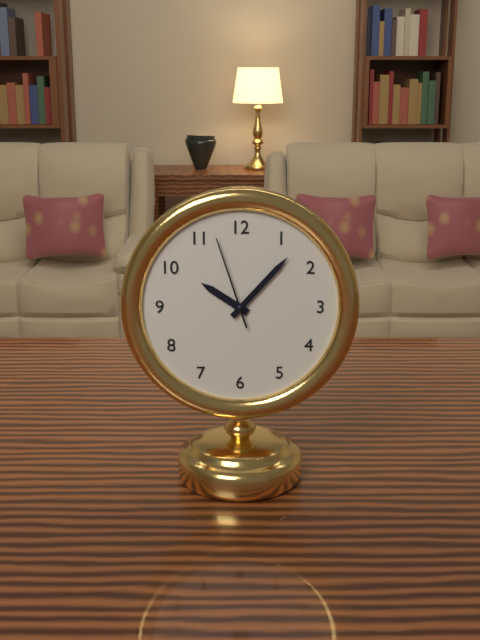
10:07:57
